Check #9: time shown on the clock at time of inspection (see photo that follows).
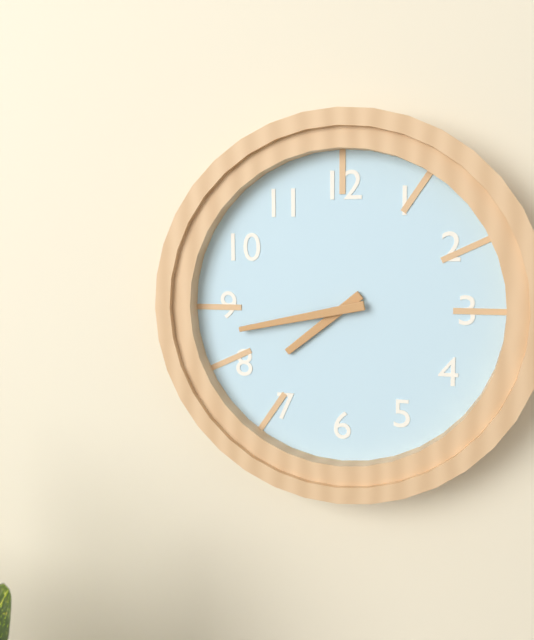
7:43
